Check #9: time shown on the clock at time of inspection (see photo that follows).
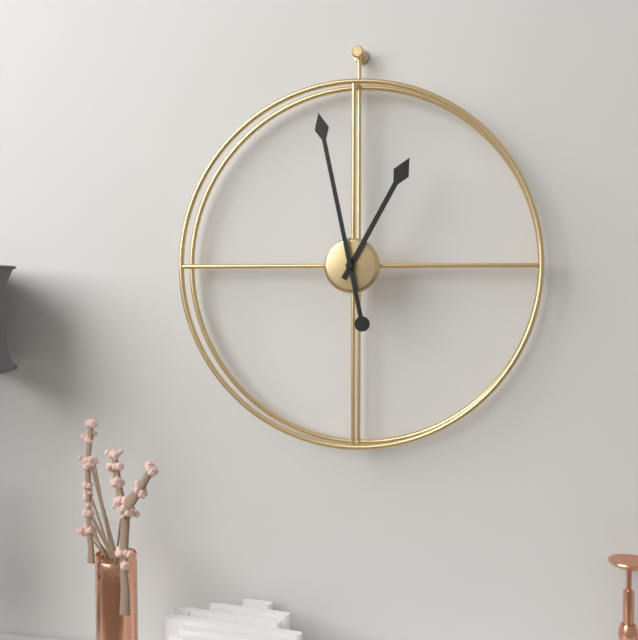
12:58
